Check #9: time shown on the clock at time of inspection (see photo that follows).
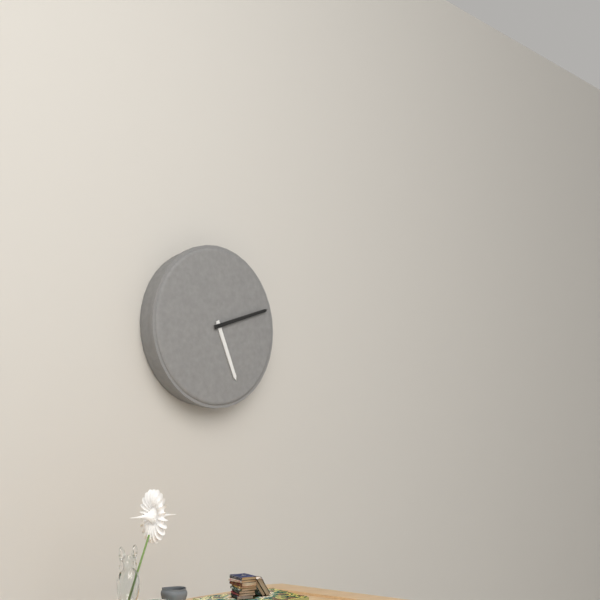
5:12
